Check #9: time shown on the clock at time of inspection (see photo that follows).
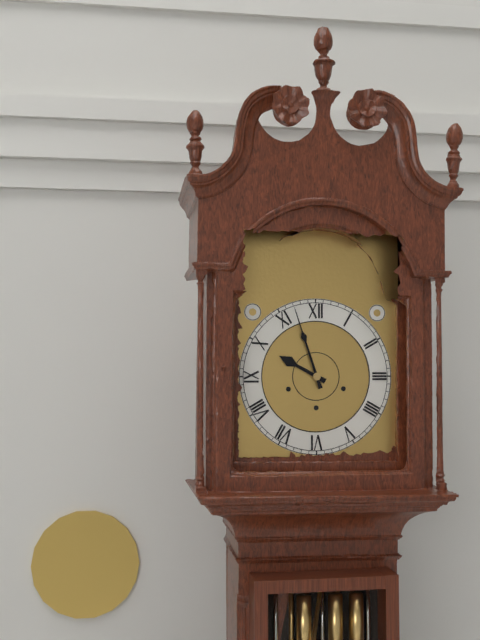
9:57
